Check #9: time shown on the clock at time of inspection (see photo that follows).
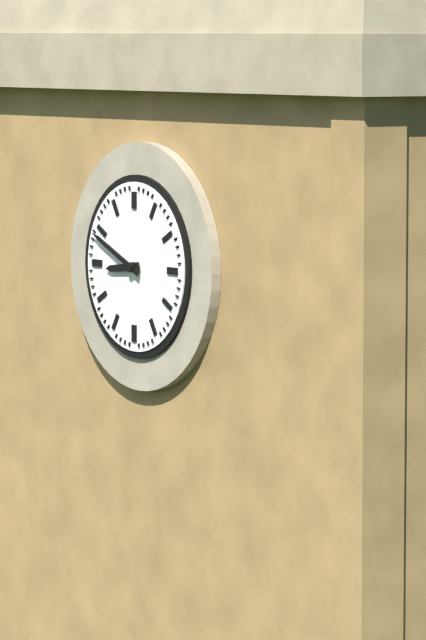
8:49
